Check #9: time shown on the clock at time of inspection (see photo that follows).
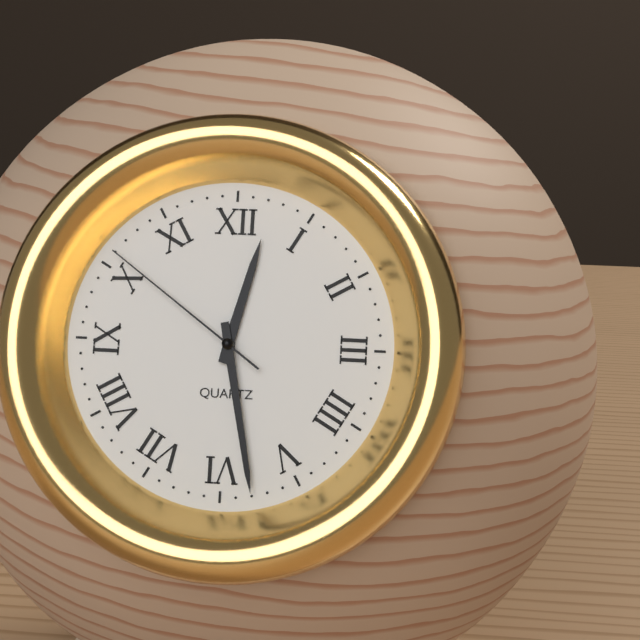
12:28:51
